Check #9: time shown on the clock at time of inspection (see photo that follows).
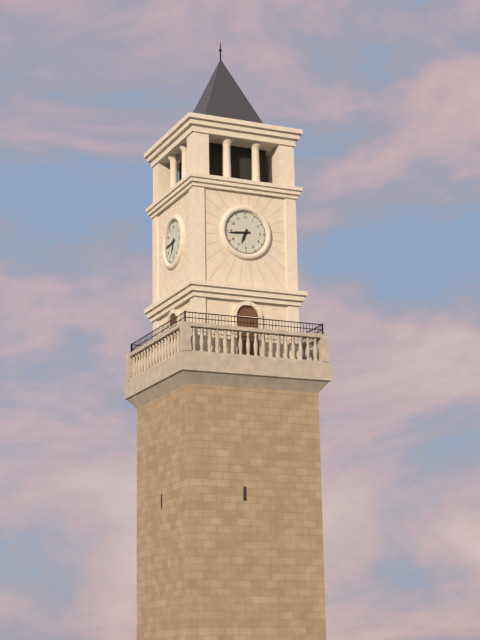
6:44
